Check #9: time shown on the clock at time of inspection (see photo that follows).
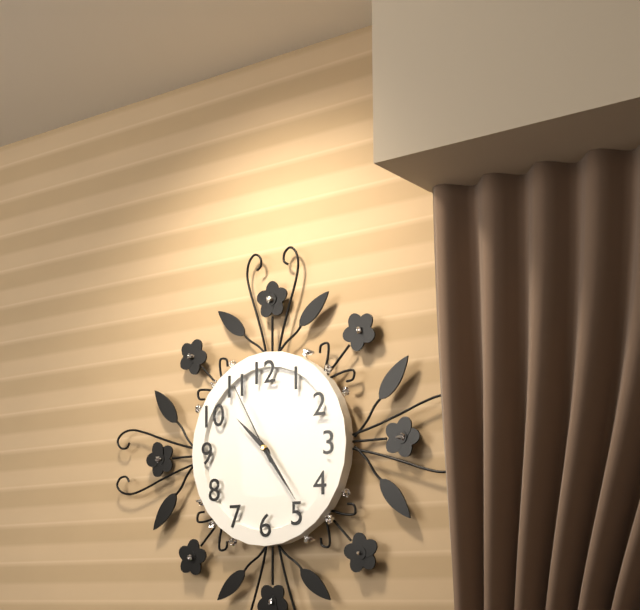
10:24:55
